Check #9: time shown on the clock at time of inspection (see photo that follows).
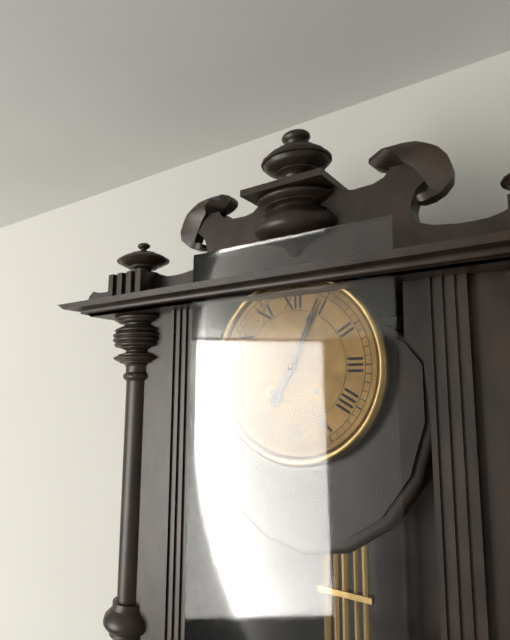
7:04
